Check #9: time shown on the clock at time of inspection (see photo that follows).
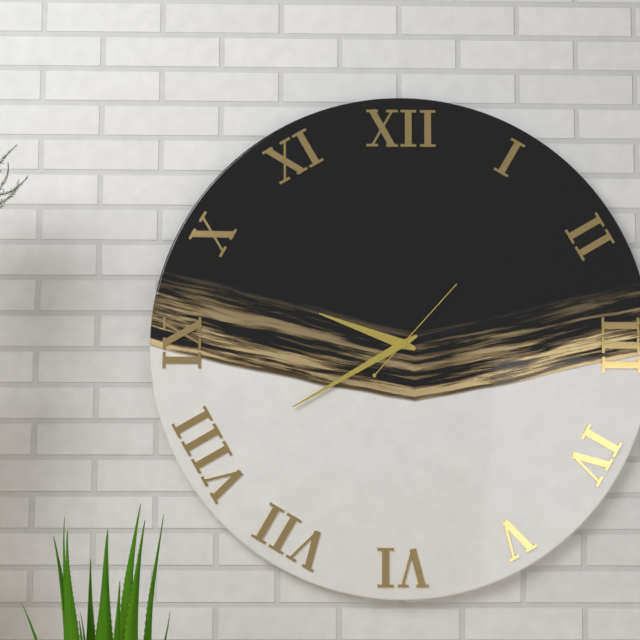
9:40:07
